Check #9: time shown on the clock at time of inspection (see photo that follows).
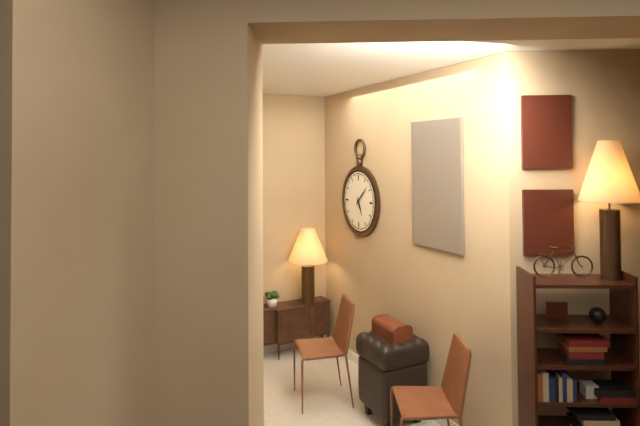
5:08
